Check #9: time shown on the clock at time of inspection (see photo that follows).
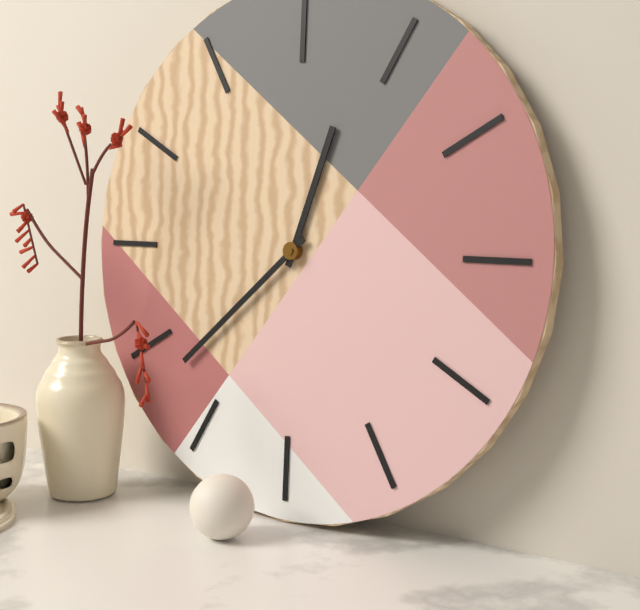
12:38
